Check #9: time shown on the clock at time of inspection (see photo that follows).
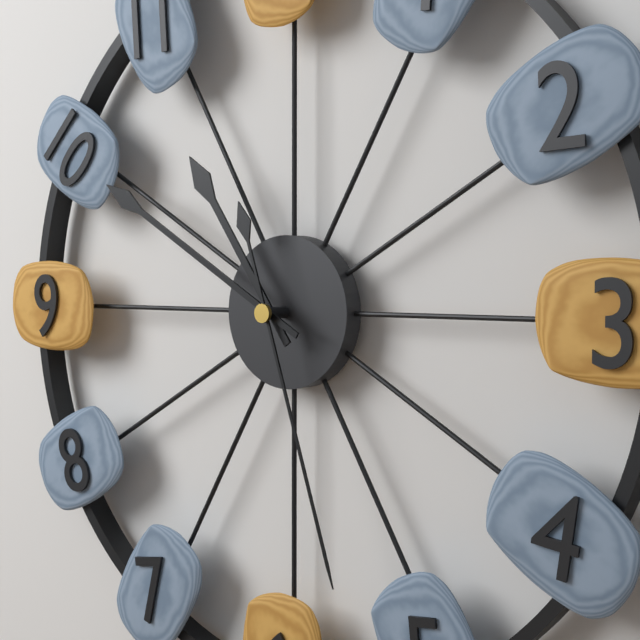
10:50:27
